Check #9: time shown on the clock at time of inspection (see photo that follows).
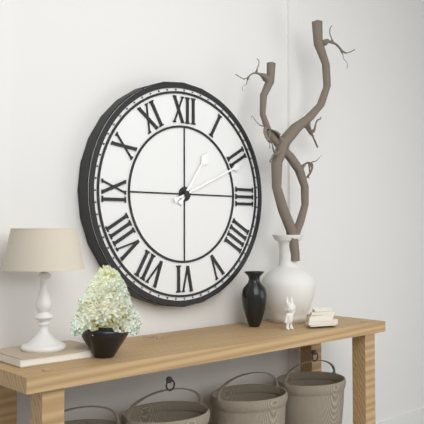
1:11
